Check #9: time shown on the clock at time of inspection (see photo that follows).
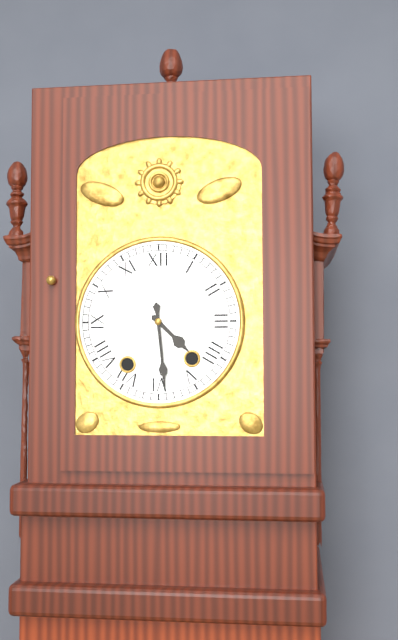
4:29
